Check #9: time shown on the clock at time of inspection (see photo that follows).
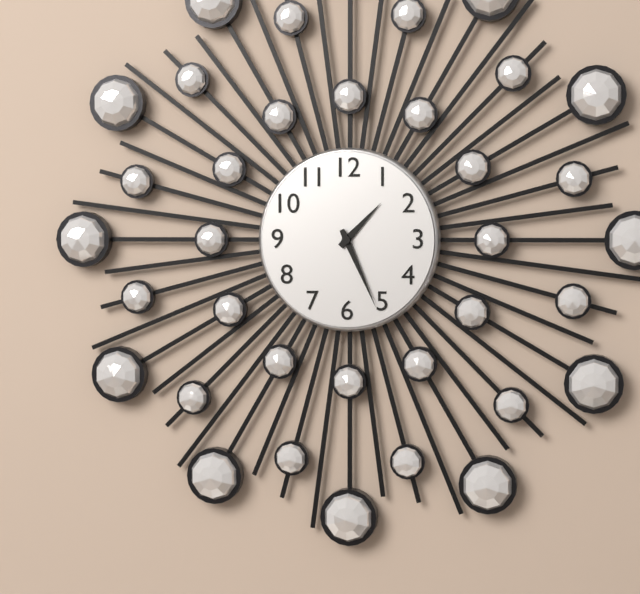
1:26
